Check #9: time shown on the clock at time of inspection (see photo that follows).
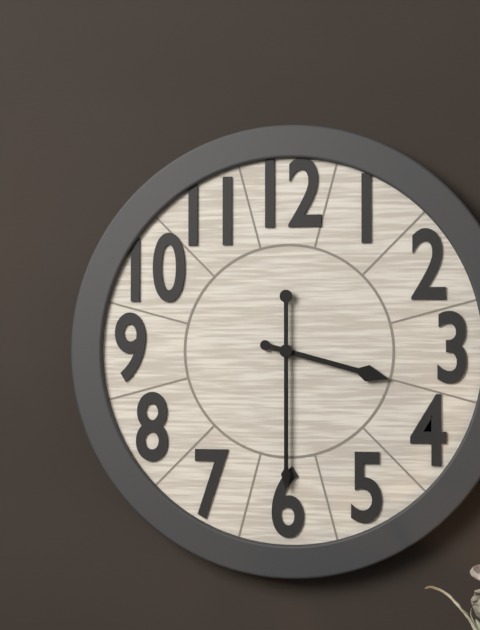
3:30
